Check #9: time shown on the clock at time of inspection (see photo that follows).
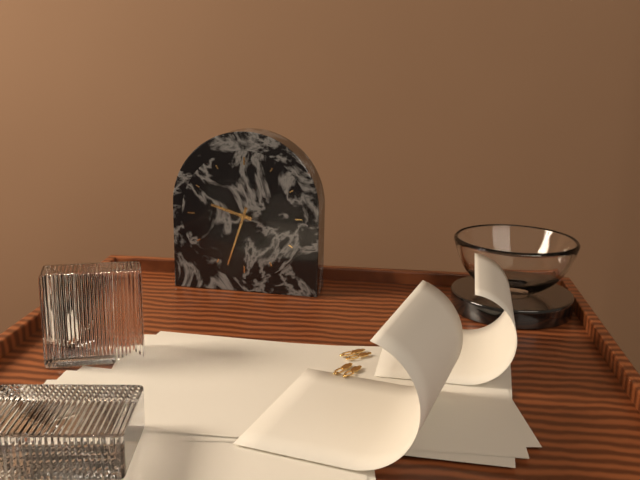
9:33
